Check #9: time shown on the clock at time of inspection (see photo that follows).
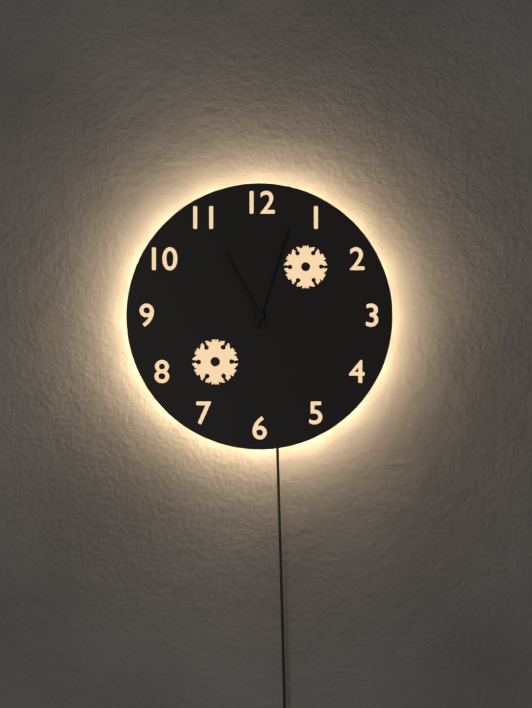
11:03
